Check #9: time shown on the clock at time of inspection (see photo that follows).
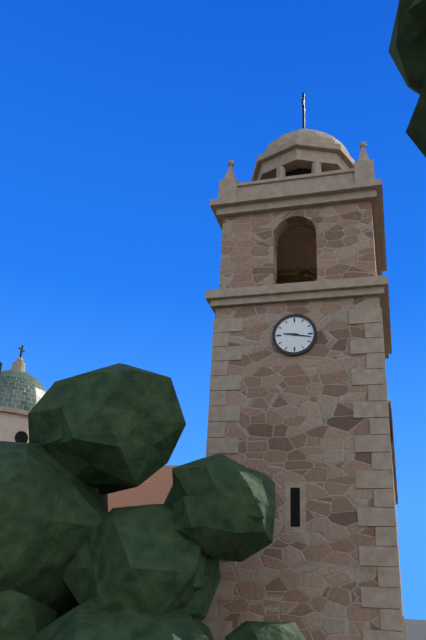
9:17
